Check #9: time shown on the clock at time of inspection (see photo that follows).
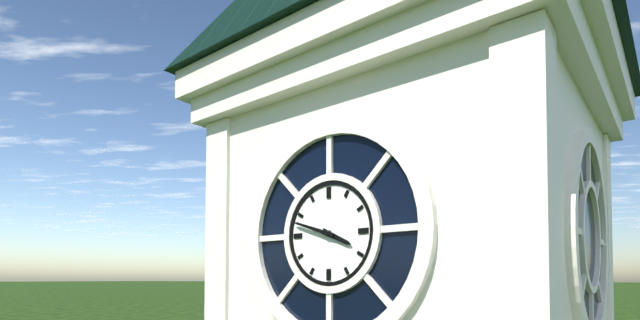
3:48
